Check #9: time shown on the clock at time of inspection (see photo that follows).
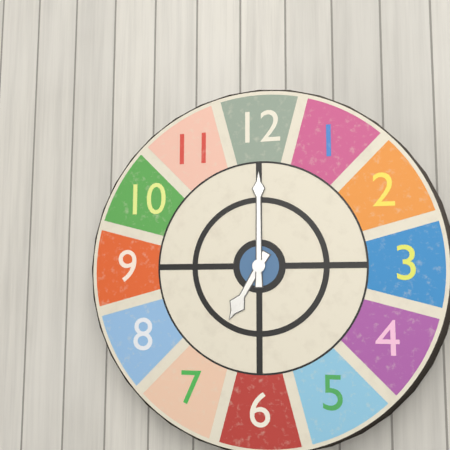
7:00
